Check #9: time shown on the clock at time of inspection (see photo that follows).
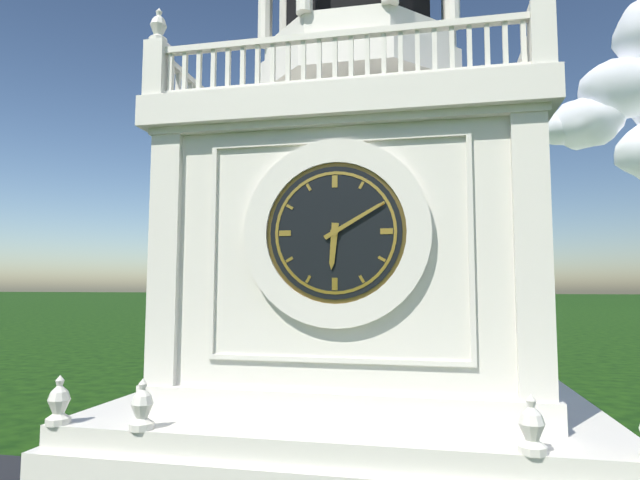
6:10
